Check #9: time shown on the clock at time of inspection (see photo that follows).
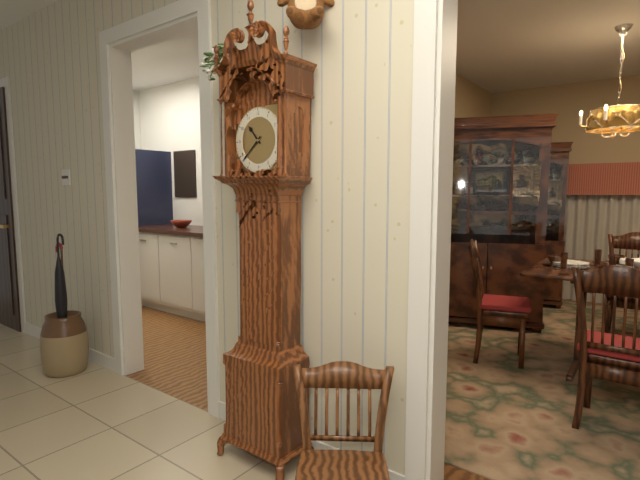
10:38
